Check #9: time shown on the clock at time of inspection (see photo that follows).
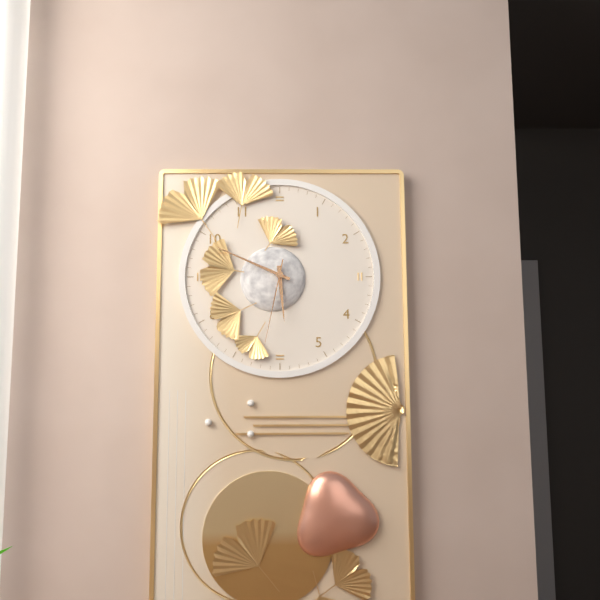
5:49:32
